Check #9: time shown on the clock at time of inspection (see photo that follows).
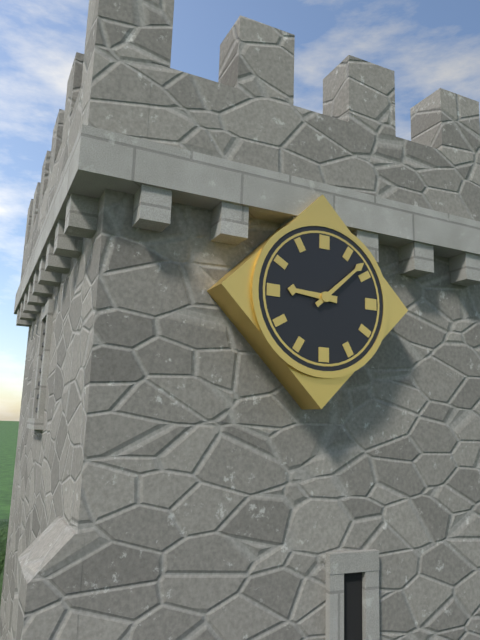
9:08
